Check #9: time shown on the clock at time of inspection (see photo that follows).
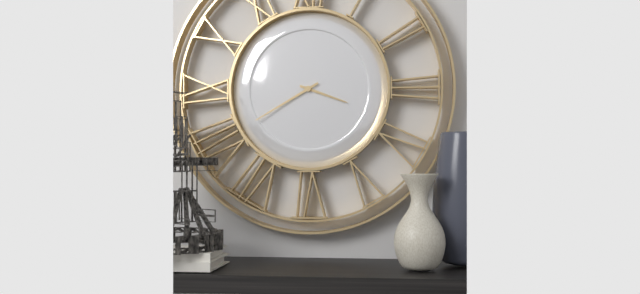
3:40
